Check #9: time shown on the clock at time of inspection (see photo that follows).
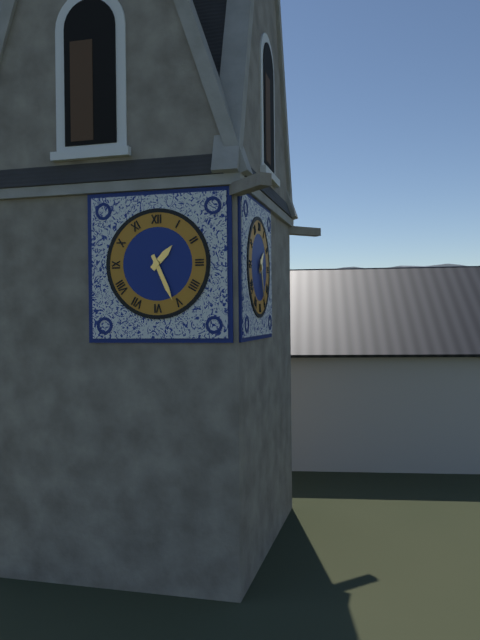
1:26
